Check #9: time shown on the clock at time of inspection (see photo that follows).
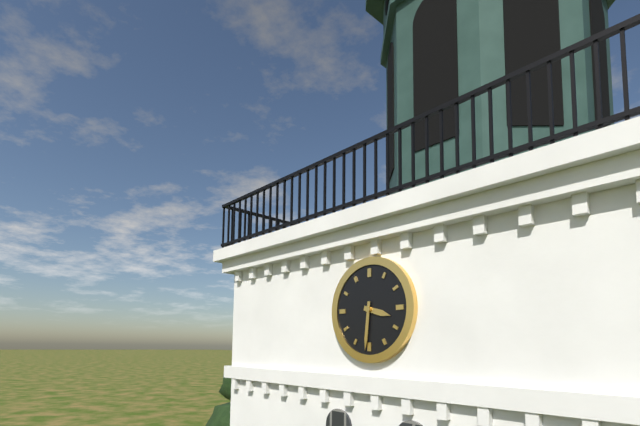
3:31
